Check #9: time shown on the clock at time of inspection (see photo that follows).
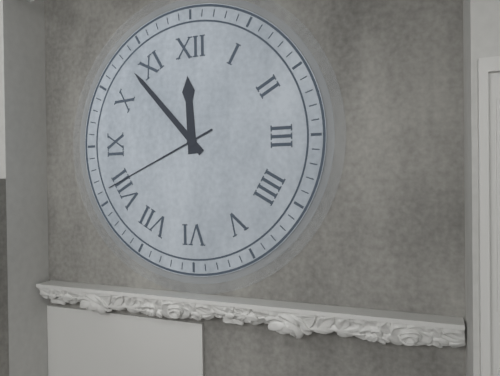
11:53:41
